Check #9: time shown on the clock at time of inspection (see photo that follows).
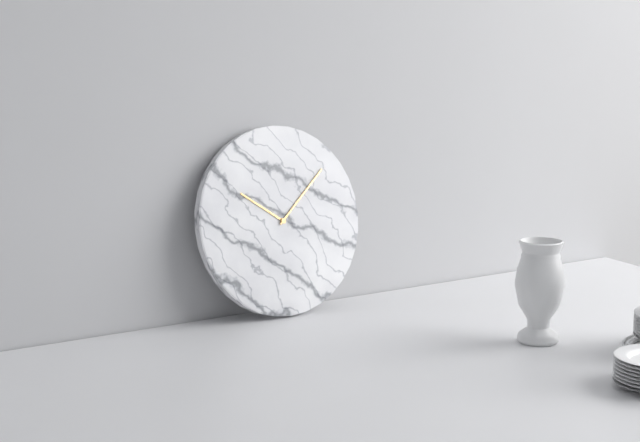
10:08
